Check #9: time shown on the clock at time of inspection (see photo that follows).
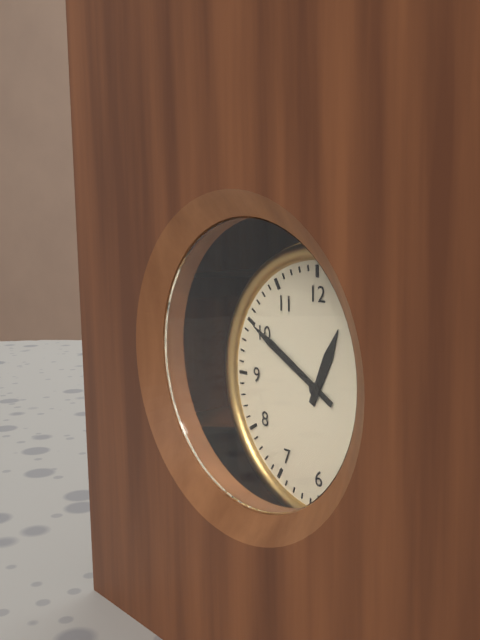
12:50
